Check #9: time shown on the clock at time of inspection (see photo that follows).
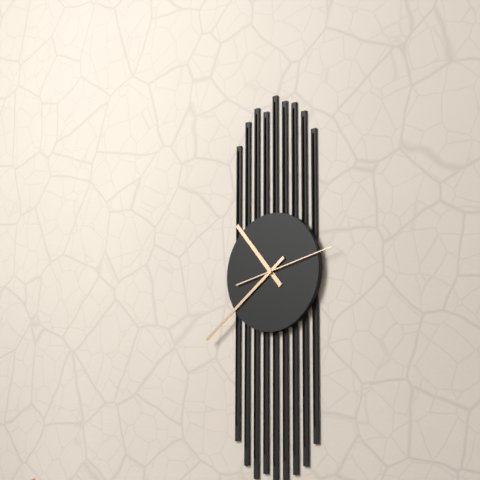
10:39:13
